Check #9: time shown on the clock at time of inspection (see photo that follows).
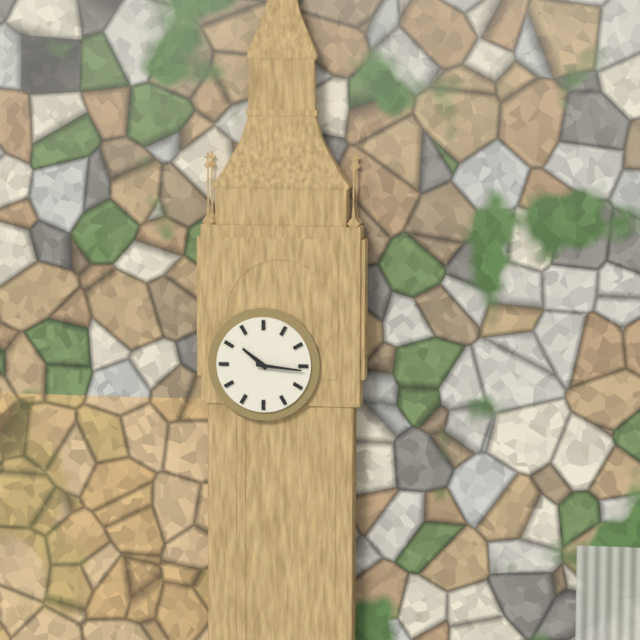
10:16
